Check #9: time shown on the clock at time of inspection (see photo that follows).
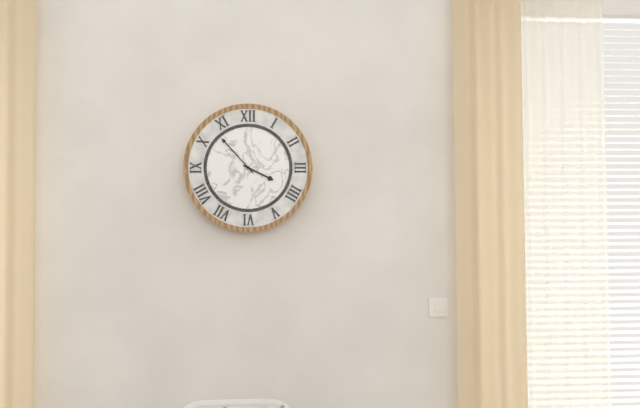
3:53
